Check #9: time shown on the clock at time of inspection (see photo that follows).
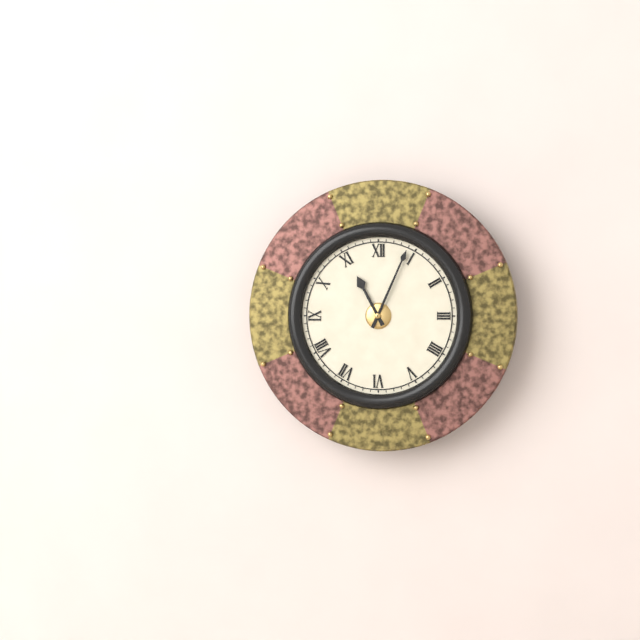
11:04
